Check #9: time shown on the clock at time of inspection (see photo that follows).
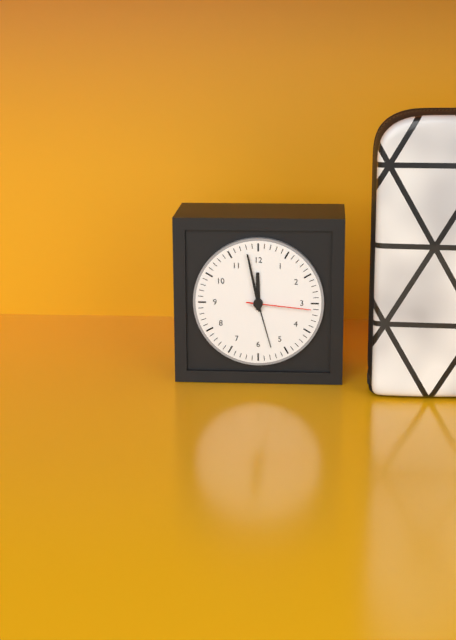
11:58:16
